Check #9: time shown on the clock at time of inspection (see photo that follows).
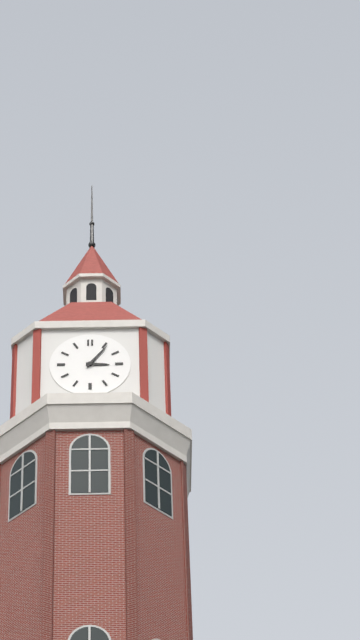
3:06
